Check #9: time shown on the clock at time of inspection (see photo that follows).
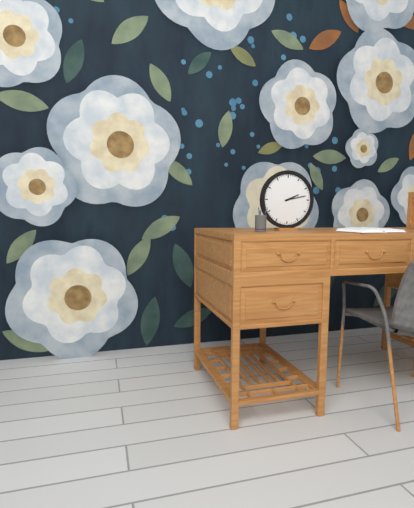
2:13
